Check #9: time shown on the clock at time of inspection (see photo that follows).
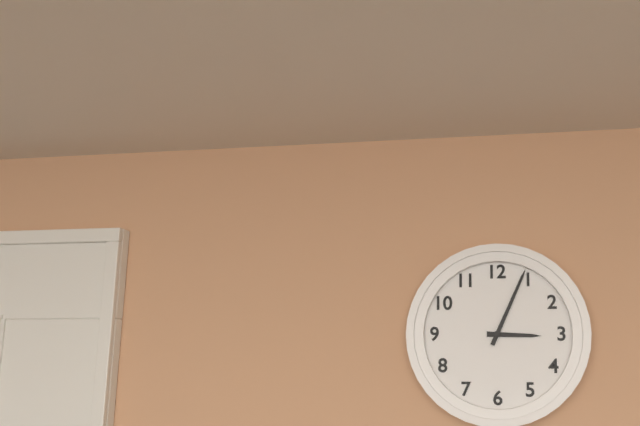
3:04
